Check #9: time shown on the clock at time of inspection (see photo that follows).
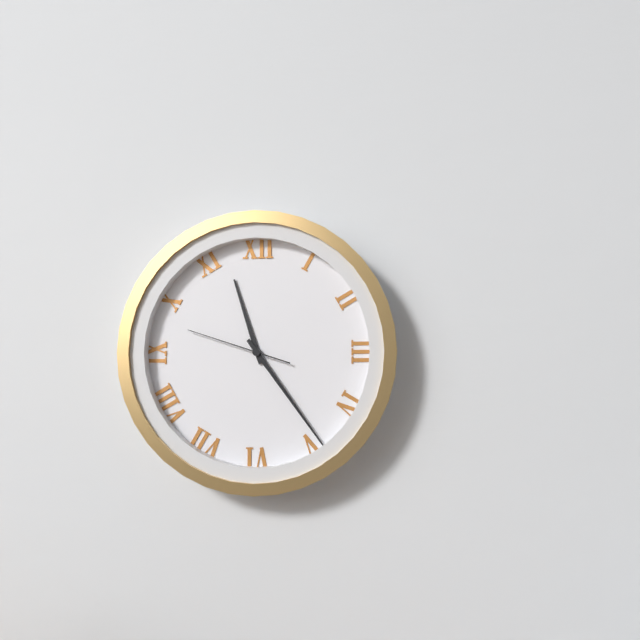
11:24:48
